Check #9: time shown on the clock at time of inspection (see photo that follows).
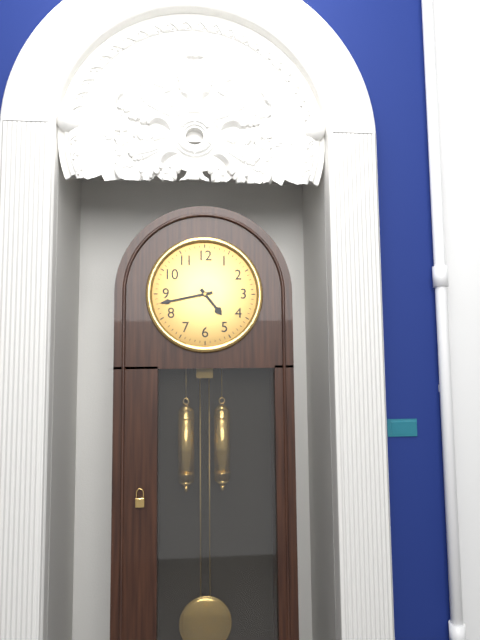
4:43
